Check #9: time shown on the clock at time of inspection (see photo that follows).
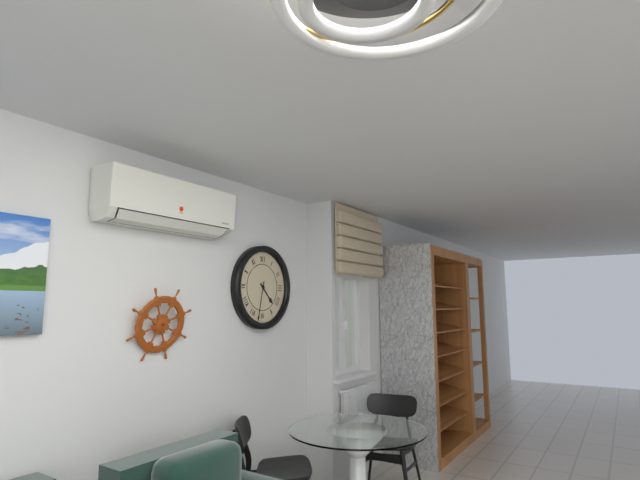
4:32
